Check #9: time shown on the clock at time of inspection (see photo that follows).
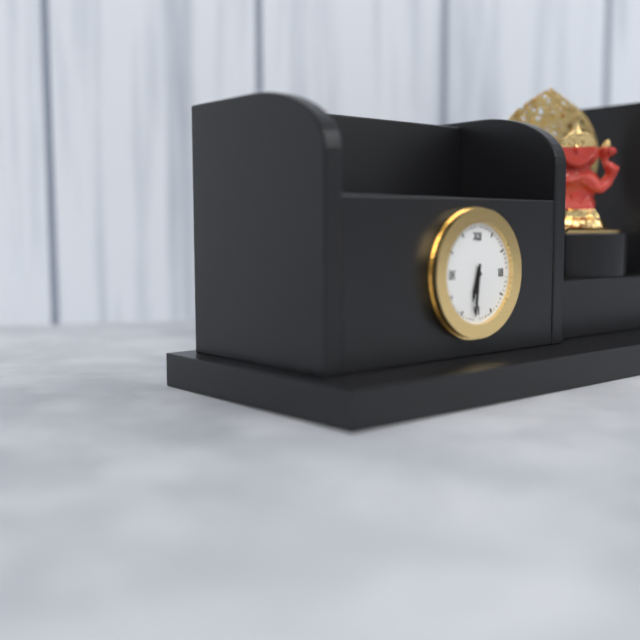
6:31
